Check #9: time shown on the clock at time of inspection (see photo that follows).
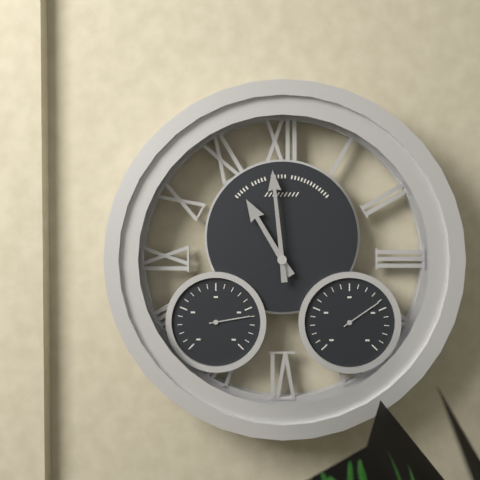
10:59
